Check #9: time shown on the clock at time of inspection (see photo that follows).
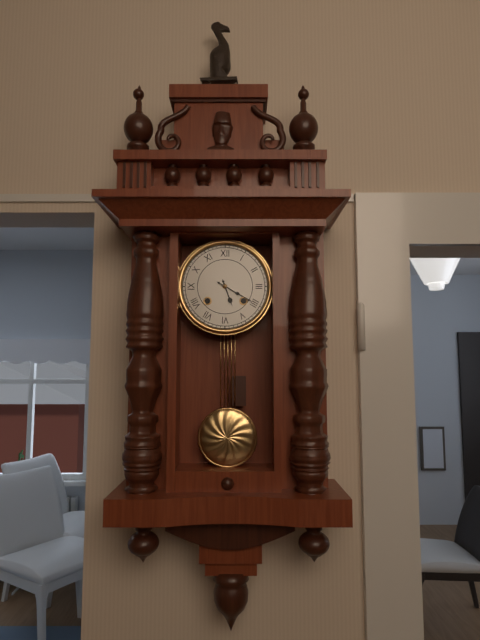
5:20
